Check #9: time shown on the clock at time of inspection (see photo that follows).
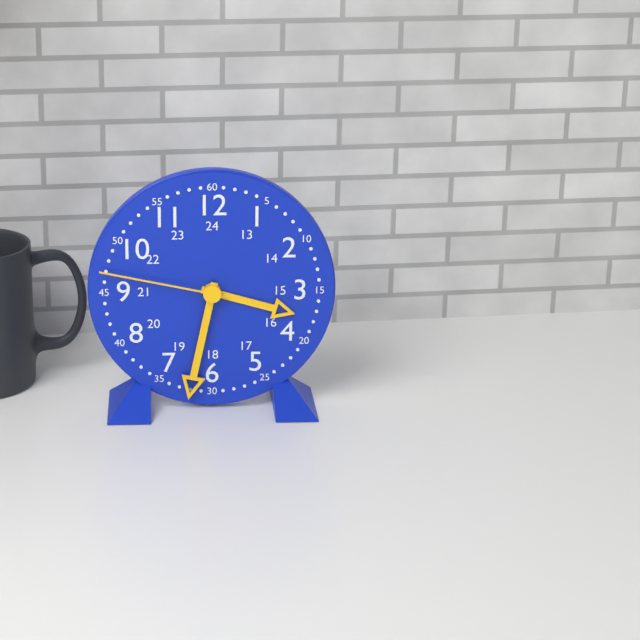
3:32:47
